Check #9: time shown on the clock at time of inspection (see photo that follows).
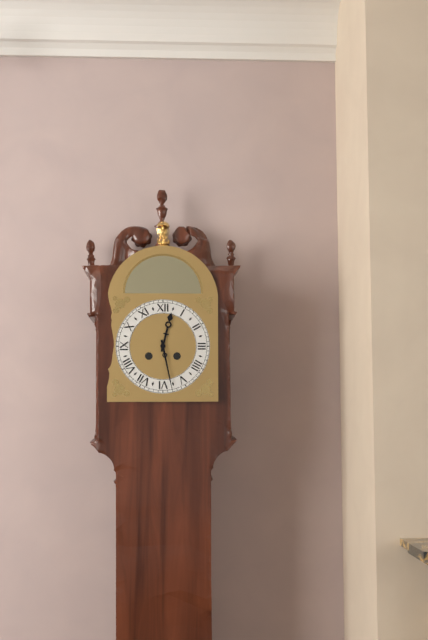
12:28
